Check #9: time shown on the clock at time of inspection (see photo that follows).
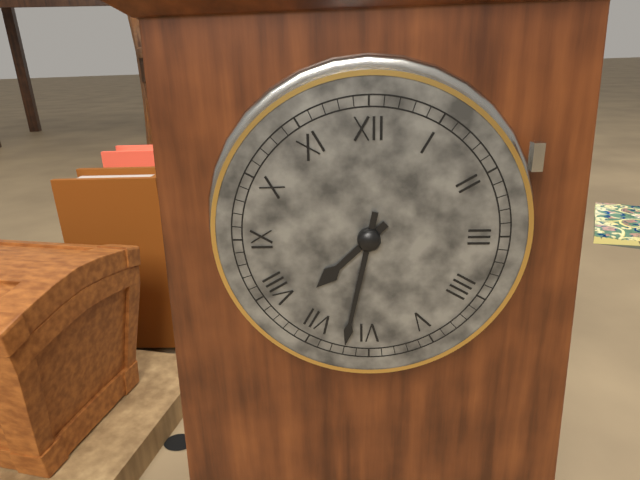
7:32
